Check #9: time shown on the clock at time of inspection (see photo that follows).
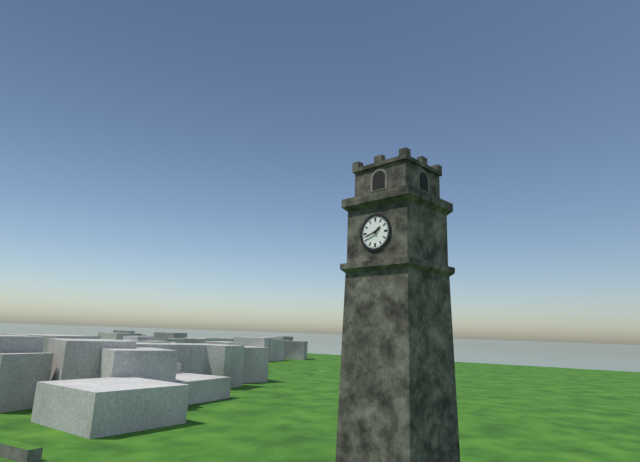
1:42
